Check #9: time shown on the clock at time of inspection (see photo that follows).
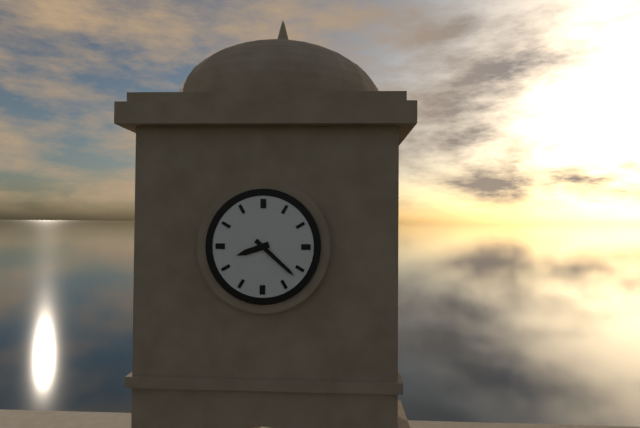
8:22
